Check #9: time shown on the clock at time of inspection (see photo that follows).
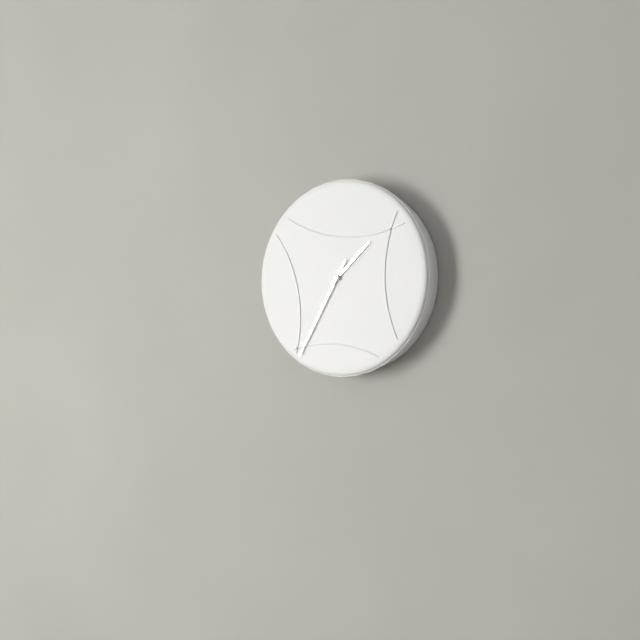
1:35
